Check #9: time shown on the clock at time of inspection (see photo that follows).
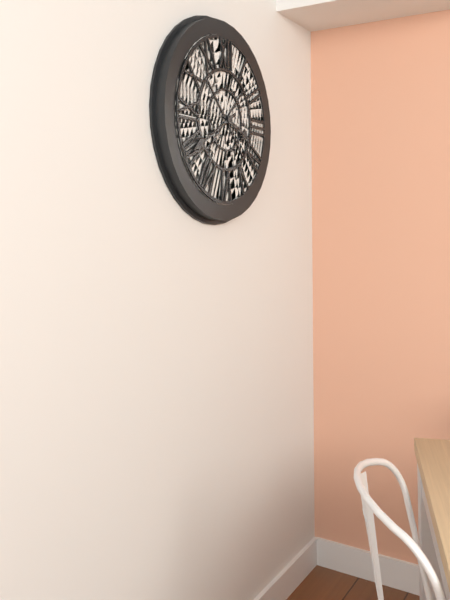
3:40
